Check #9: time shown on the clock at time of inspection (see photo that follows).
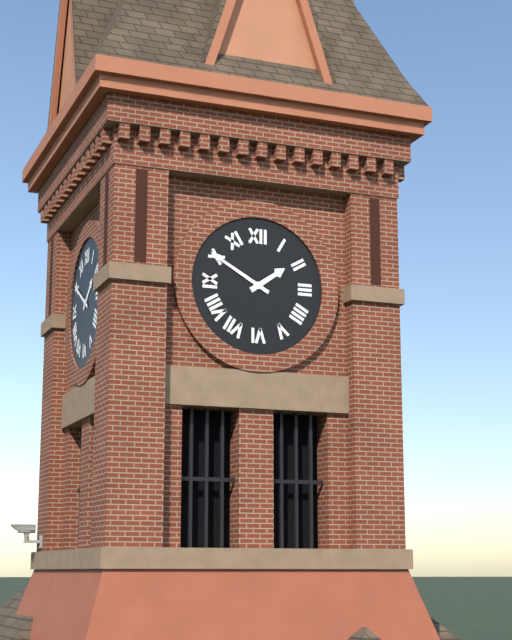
1:50
